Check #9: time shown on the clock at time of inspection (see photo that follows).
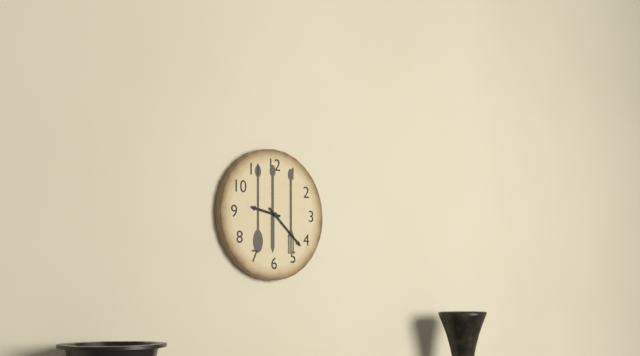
9:22
